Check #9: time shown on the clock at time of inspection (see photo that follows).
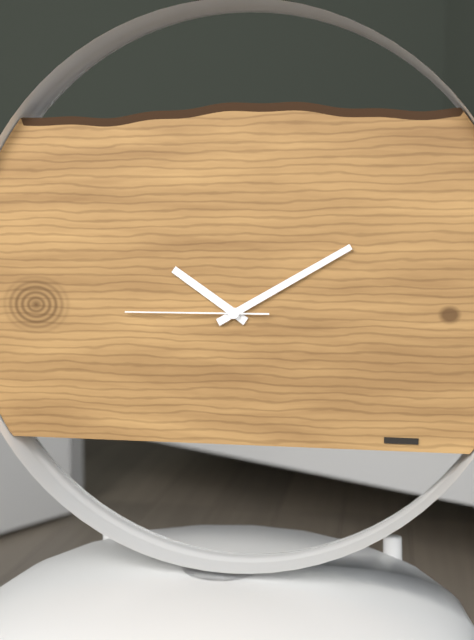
10:10:45
